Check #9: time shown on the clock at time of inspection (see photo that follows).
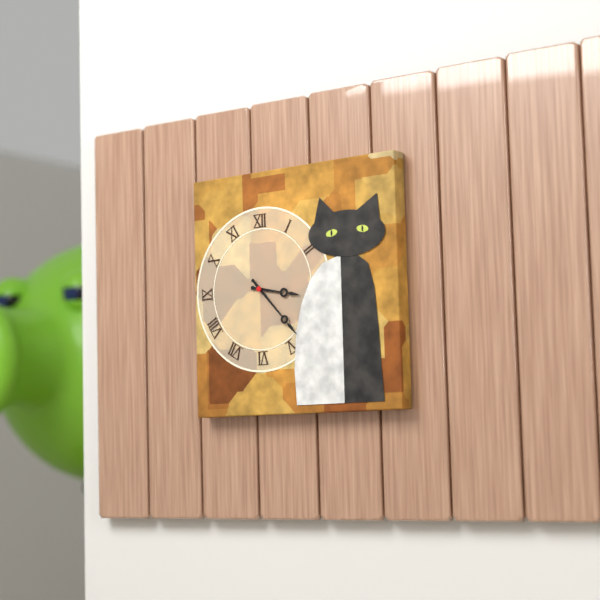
3:23
